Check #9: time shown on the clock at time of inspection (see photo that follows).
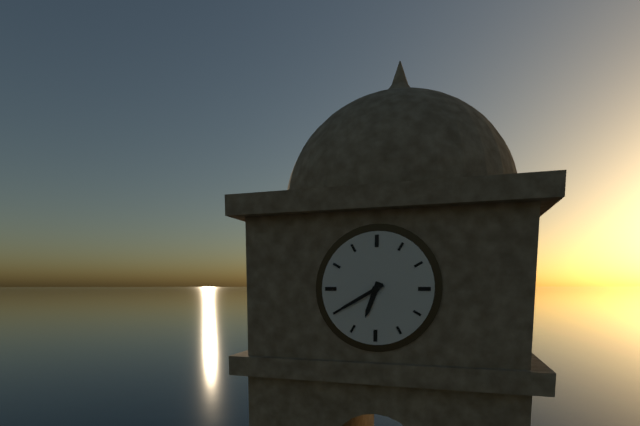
6:40
